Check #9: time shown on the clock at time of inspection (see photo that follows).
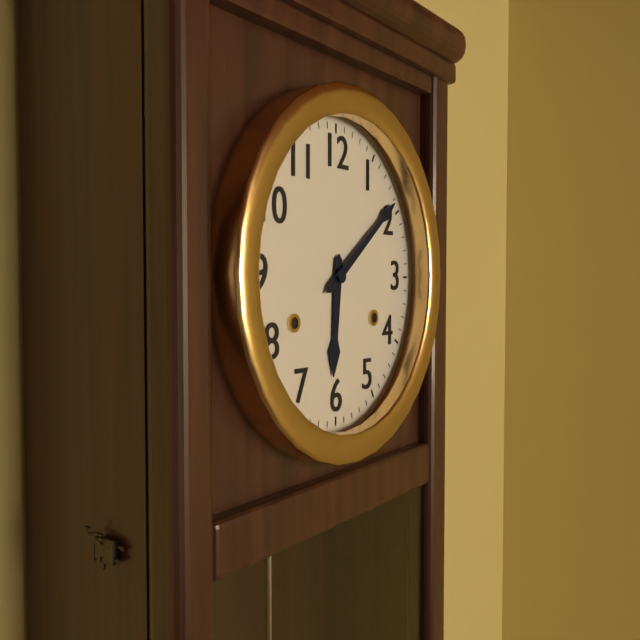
6:09
